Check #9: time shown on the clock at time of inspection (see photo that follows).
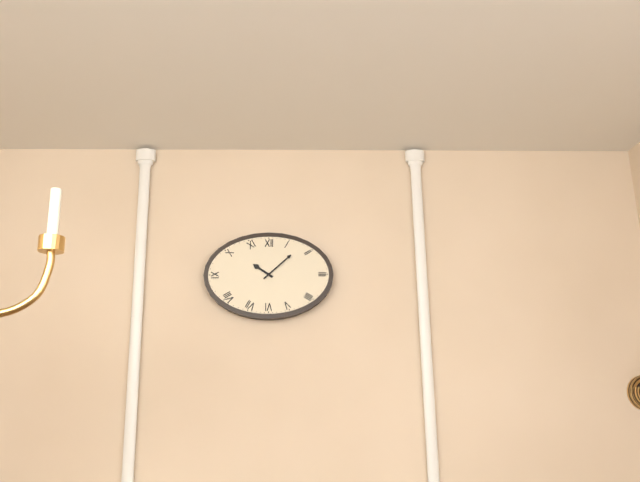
10:08
